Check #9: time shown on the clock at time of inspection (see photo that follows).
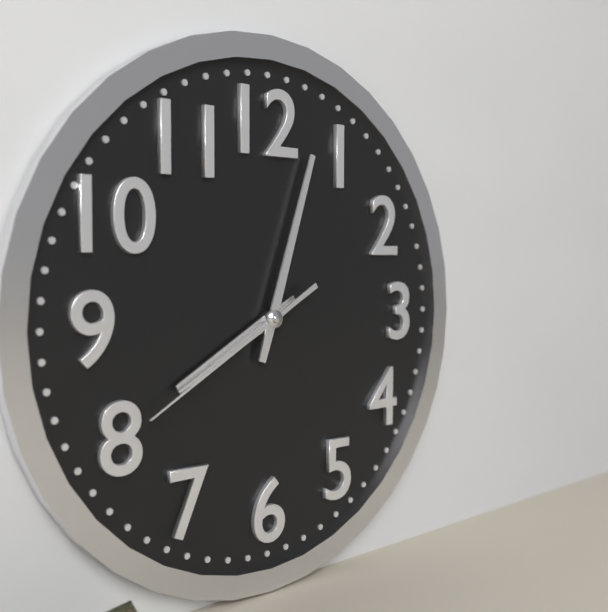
8:03:40
